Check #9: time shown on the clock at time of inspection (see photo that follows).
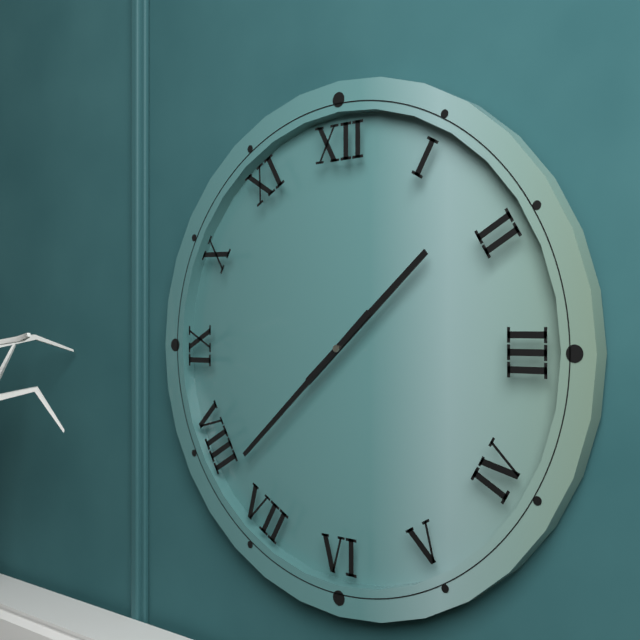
1:38
